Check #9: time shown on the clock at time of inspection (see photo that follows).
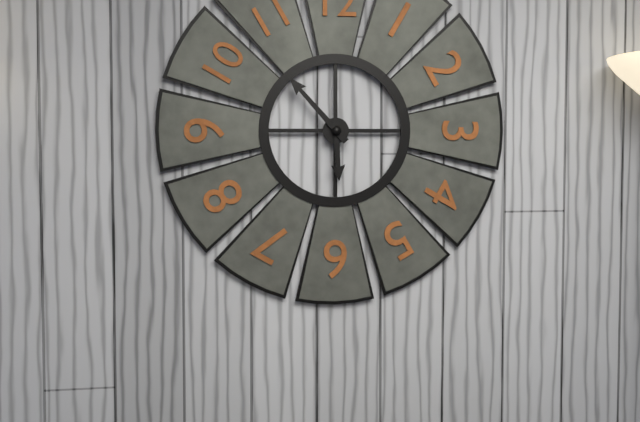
5:53
